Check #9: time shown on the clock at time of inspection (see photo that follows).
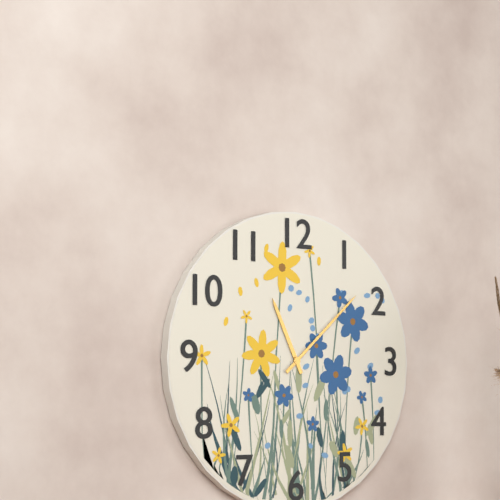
11:08
